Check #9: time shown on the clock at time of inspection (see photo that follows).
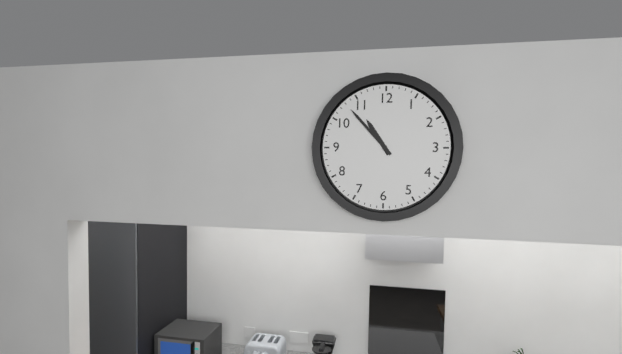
10:53
